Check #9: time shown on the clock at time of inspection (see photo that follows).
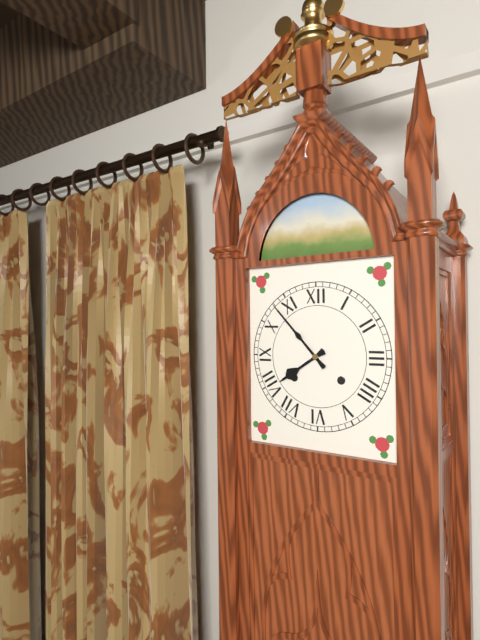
7:53
